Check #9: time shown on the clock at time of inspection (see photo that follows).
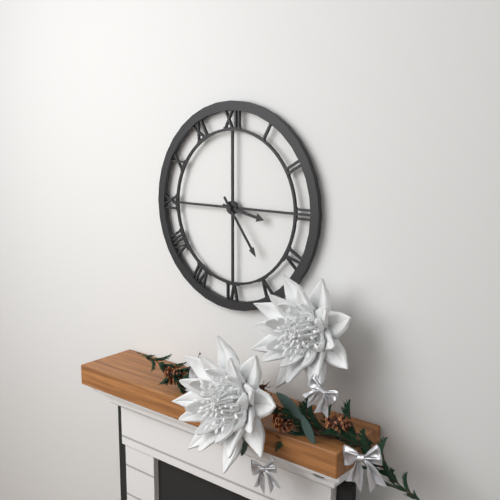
3:24
